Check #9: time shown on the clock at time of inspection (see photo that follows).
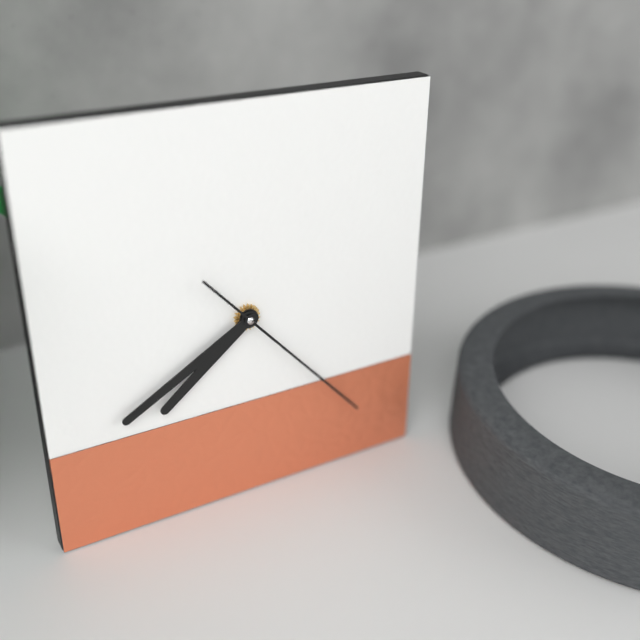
7:40:23
